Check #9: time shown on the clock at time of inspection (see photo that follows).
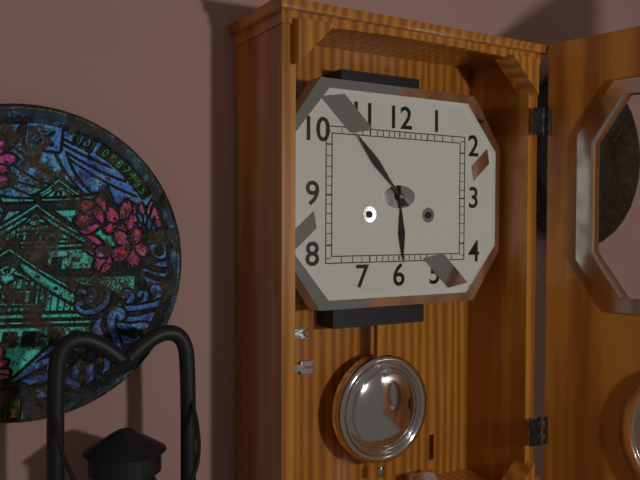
5:53
